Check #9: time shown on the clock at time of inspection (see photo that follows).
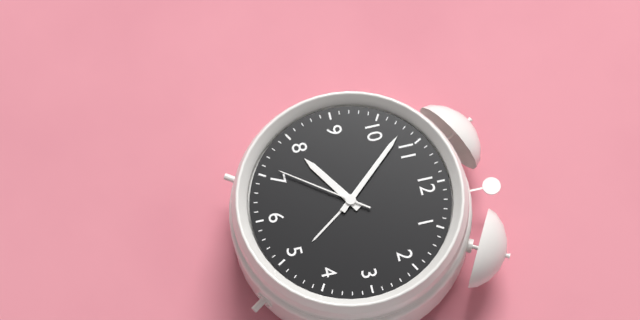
7:53:36
